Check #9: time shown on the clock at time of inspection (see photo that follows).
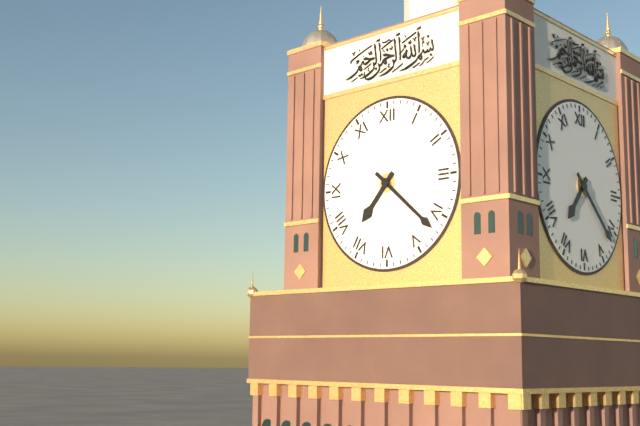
7:22
